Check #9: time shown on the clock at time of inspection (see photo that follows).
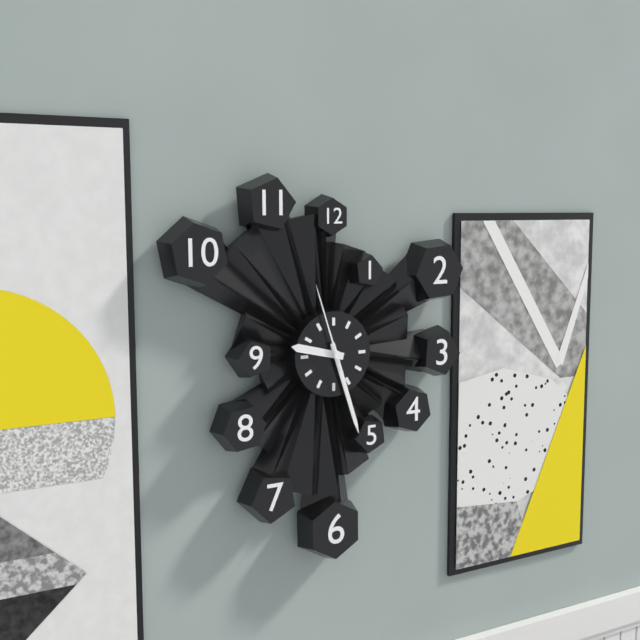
9:27:57
